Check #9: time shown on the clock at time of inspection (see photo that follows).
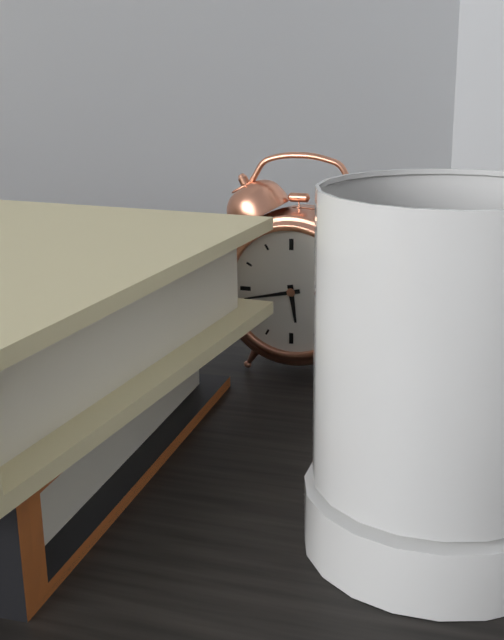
5:43
